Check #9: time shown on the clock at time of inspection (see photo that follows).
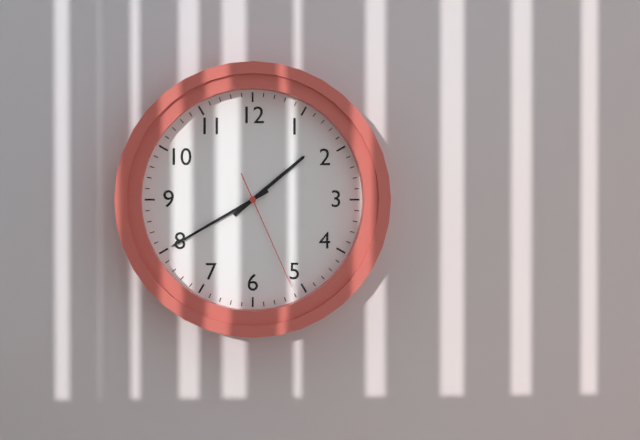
1:40:26
